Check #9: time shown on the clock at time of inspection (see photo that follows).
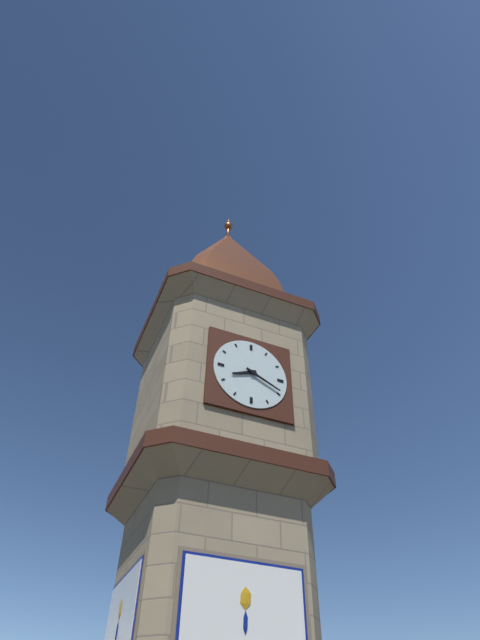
8:19
